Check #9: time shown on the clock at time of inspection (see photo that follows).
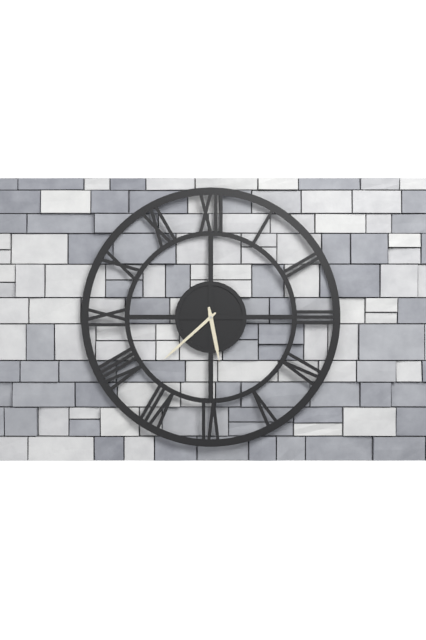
5:38
